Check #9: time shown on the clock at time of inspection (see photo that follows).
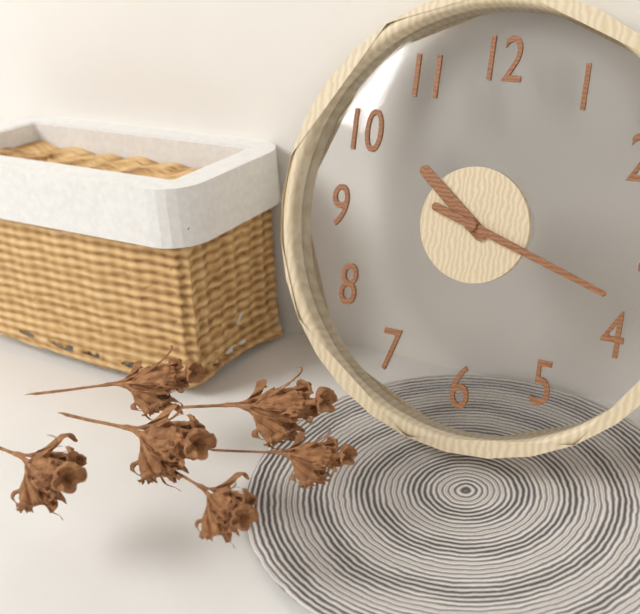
10:18
